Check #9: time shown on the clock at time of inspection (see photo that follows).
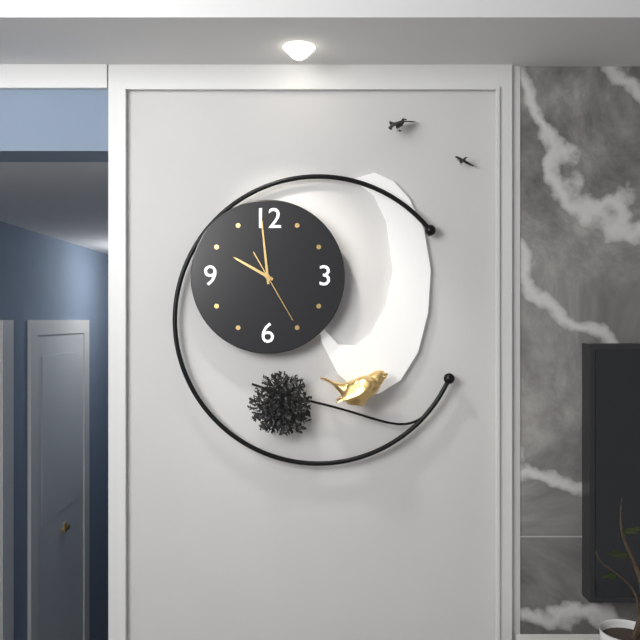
9:59:25
